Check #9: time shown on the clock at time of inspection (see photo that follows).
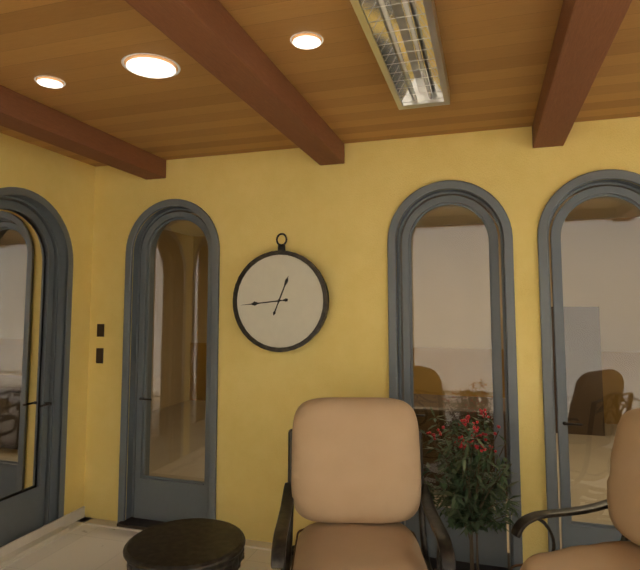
12:44
